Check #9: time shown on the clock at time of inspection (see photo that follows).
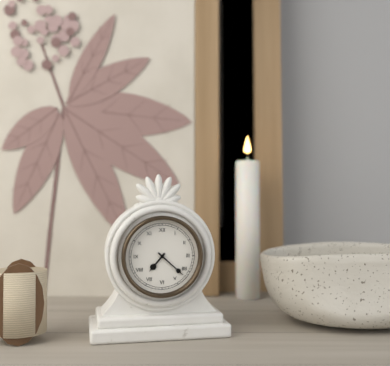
7:22
